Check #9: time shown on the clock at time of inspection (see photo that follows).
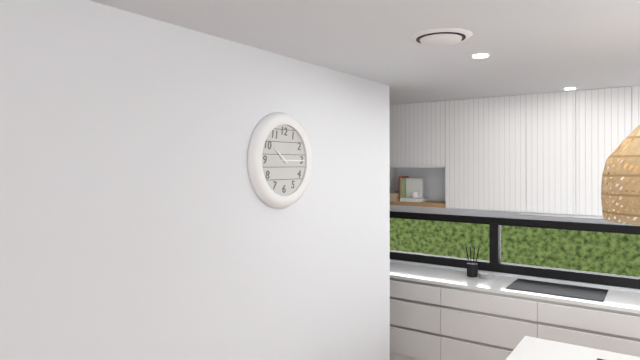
10:15
